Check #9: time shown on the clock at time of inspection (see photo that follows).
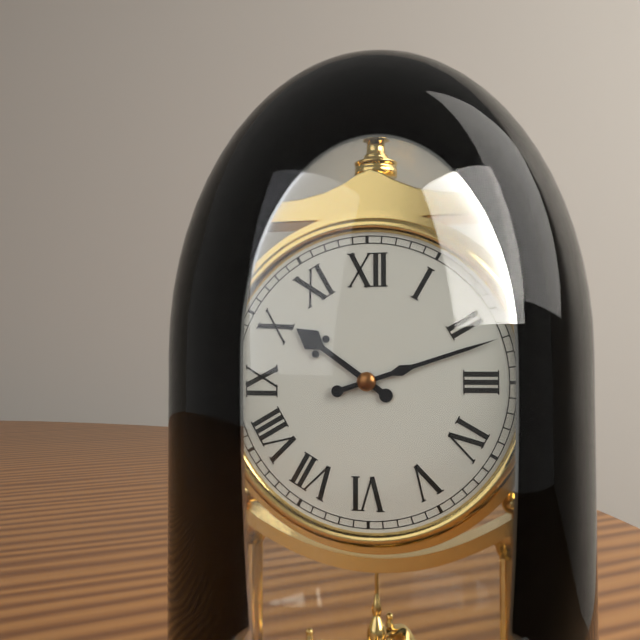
10:12
